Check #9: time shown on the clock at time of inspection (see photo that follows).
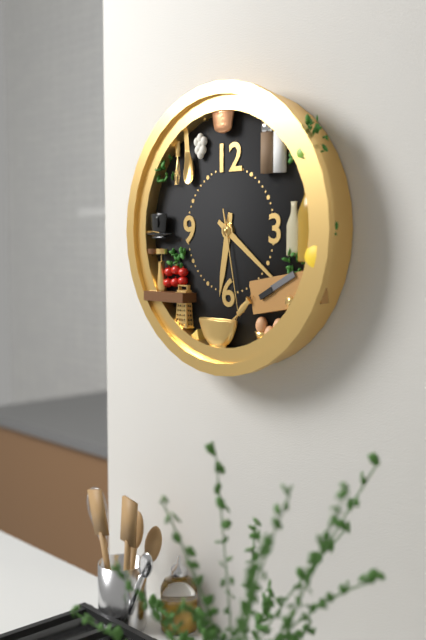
6:21:28
